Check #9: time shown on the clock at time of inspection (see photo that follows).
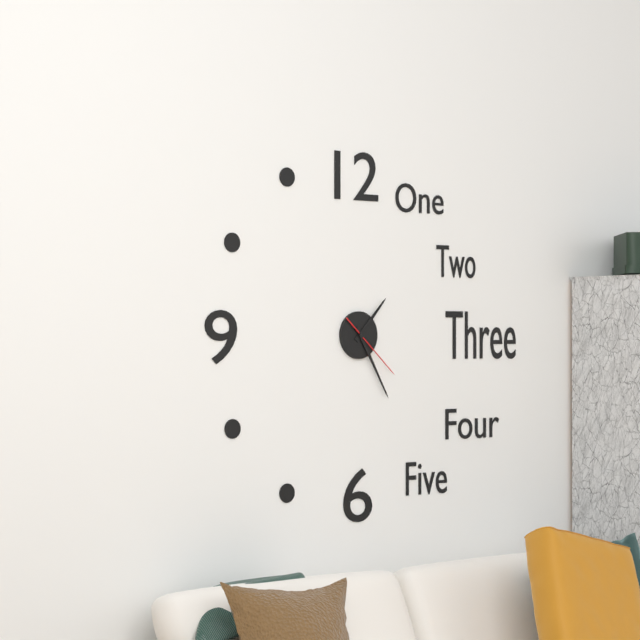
1:25:22
